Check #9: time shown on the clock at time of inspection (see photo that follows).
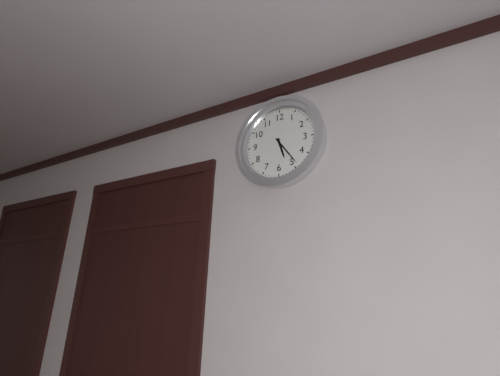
5:24
